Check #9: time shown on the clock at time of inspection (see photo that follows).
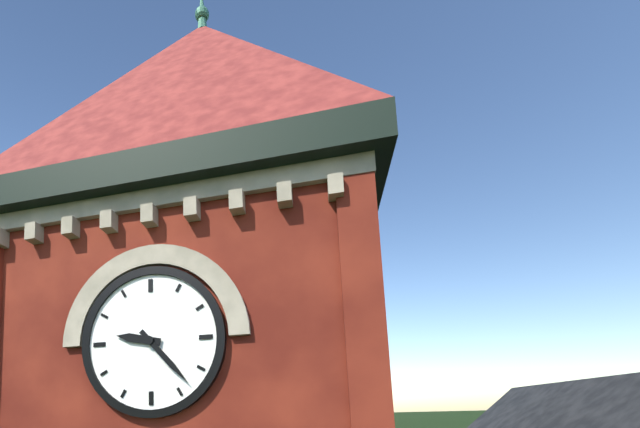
9:23
